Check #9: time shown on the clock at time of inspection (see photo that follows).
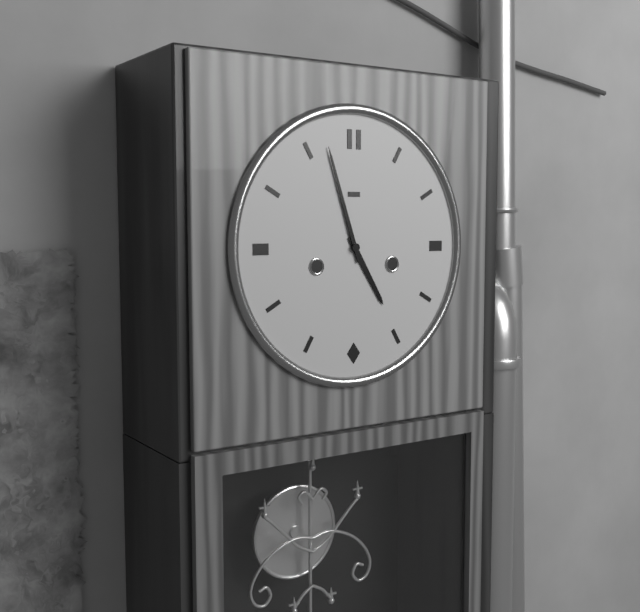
4:57
